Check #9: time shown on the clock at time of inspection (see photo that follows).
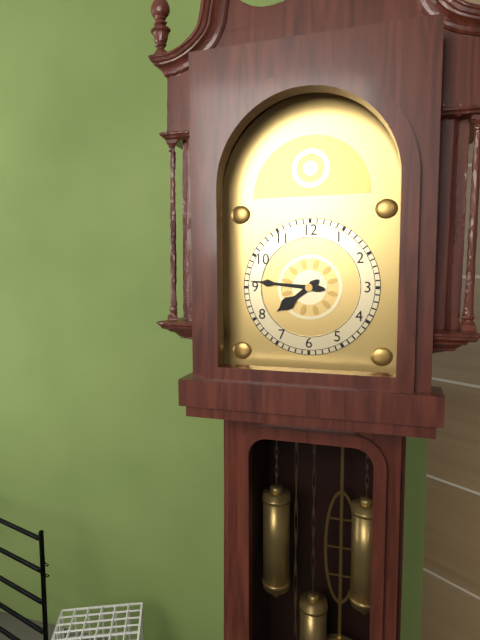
7:46
